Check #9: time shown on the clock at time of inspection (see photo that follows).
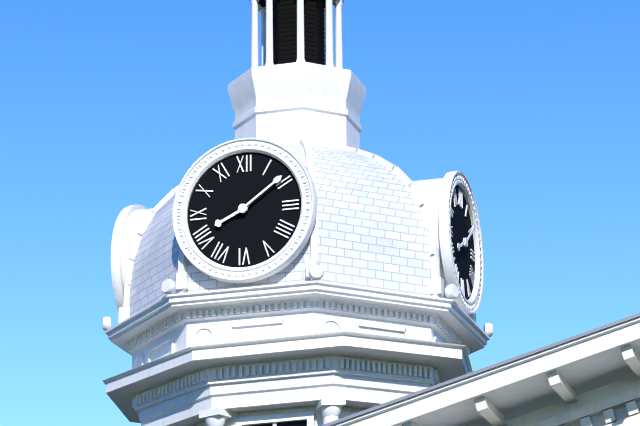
8:09
